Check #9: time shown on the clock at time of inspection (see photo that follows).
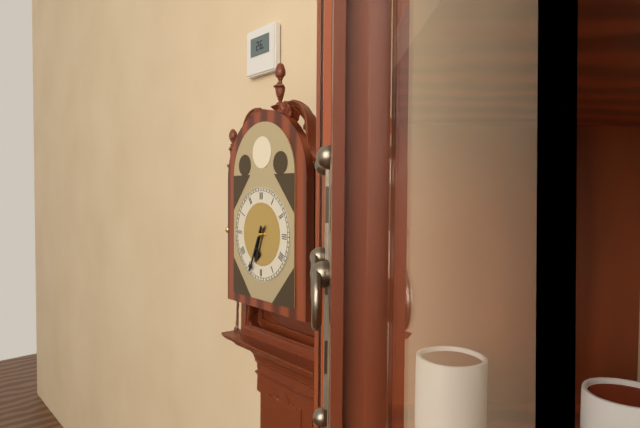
6:34
